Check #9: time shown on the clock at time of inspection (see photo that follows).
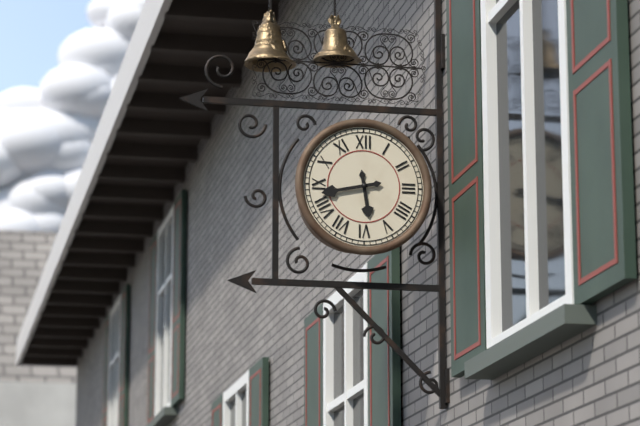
5:43
